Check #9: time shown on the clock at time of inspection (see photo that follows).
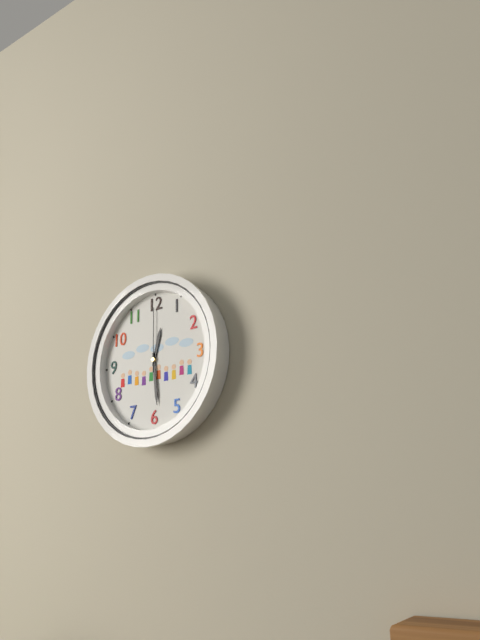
12:29:00
